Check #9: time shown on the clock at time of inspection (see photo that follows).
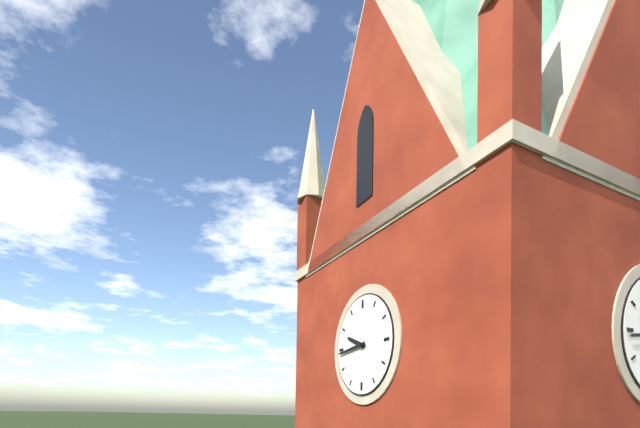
9:44
